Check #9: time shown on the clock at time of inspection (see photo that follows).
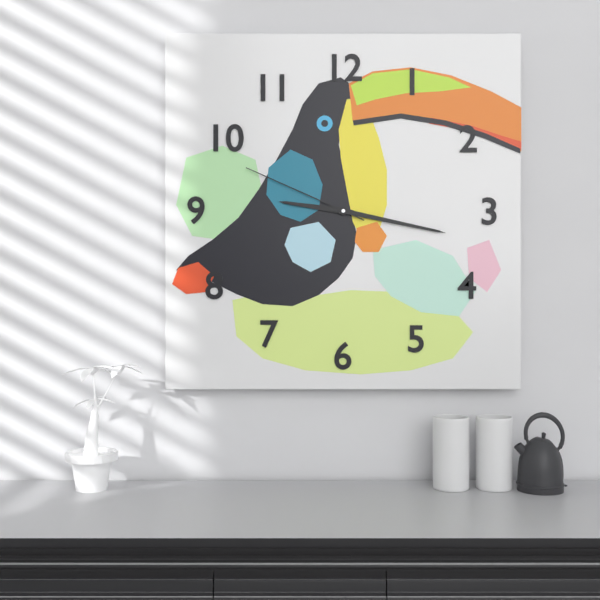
9:17:49
